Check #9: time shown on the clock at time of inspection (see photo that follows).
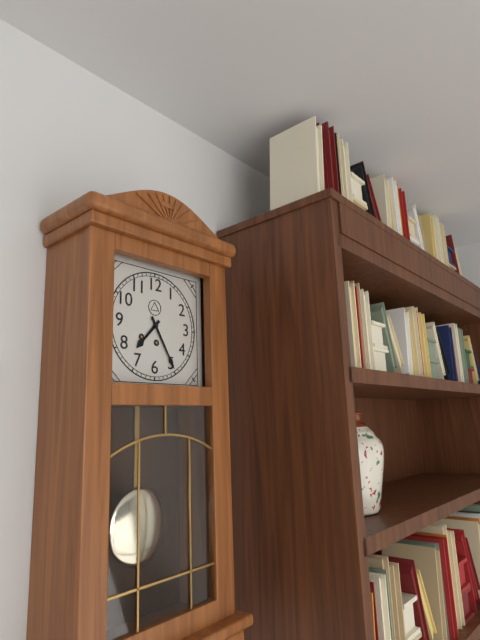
7:25
